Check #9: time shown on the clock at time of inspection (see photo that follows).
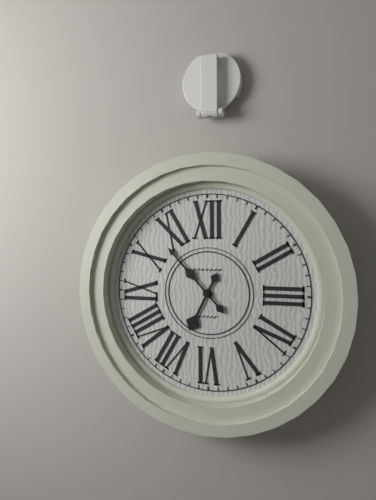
6:53
